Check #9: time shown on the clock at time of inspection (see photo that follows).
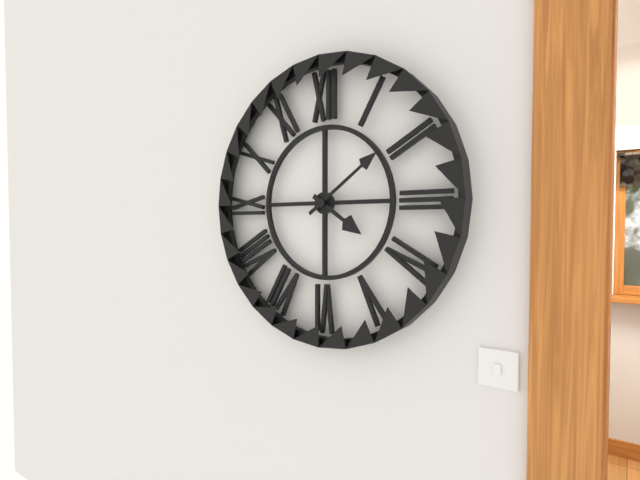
4:09
